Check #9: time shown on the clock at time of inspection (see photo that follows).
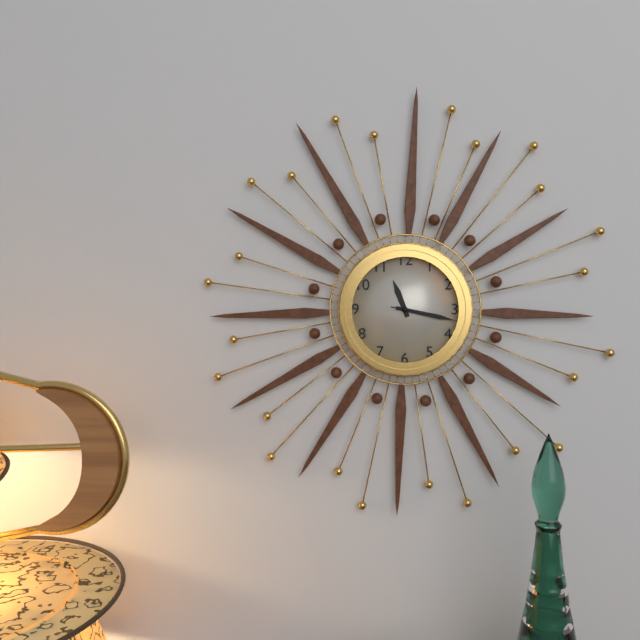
11:17:17
